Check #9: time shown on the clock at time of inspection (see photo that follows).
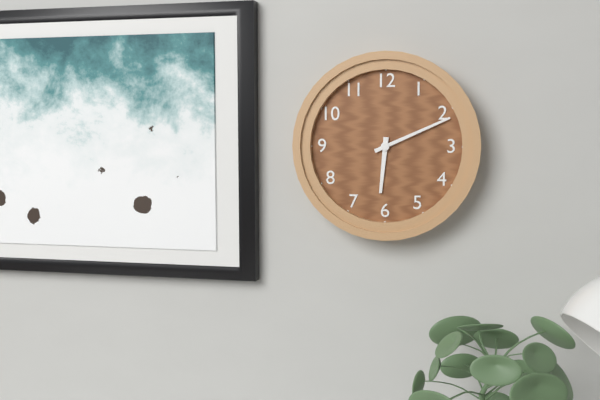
6:11
